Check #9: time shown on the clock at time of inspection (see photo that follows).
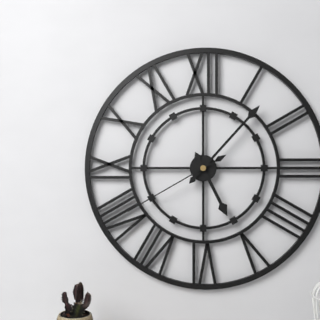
5:07:40
